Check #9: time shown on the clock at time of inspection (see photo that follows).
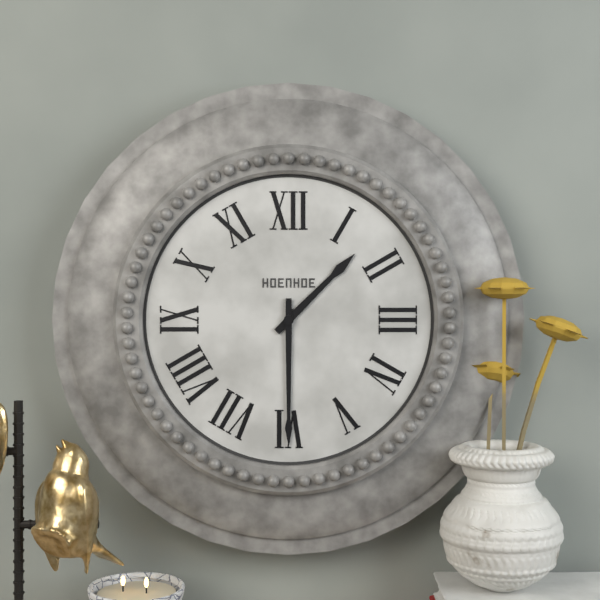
1:30
